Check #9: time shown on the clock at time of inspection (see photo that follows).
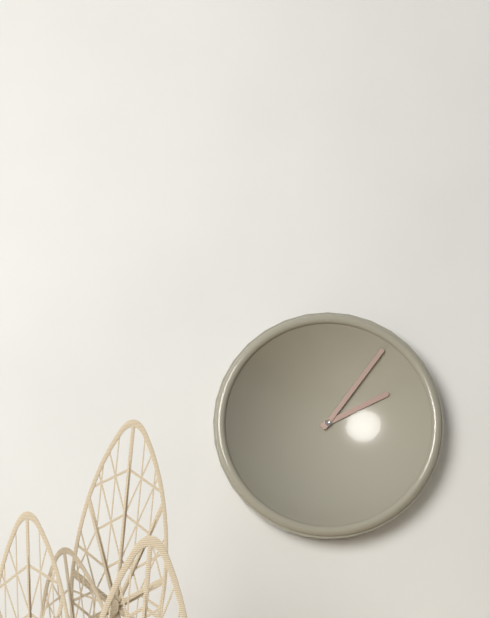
2:06
